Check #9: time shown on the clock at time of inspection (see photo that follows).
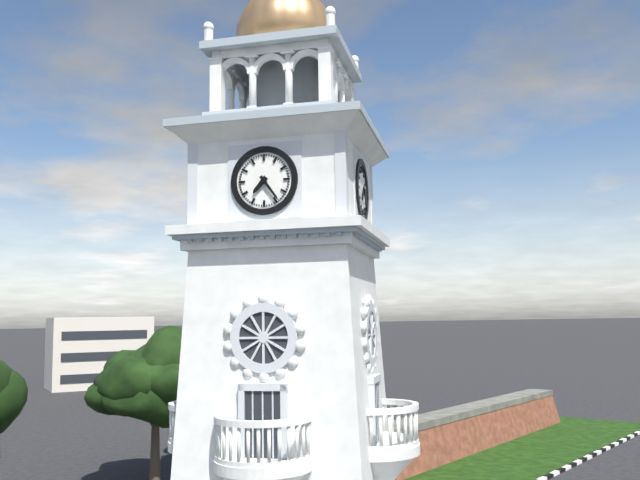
7:24
